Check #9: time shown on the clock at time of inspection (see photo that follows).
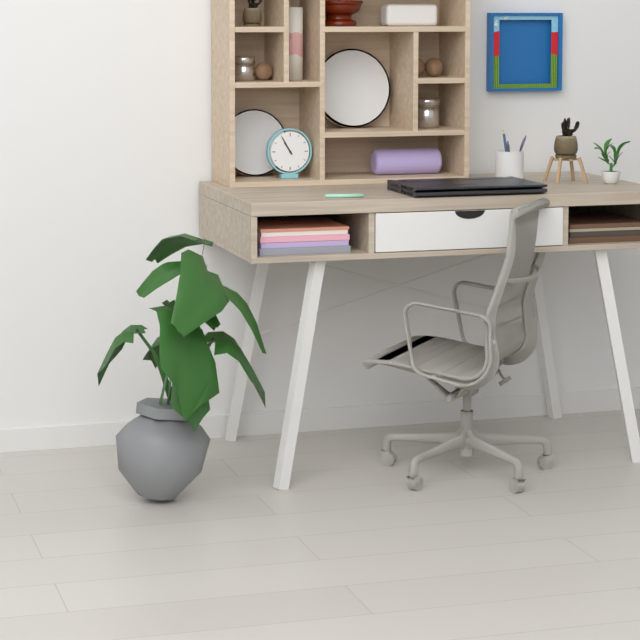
10:55
